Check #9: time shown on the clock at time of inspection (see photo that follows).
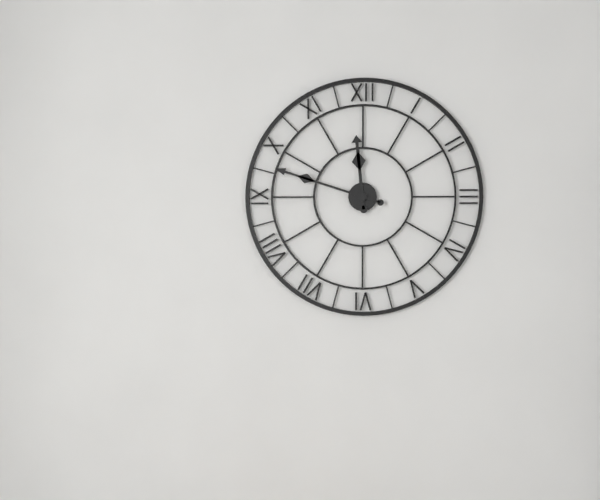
11:48
